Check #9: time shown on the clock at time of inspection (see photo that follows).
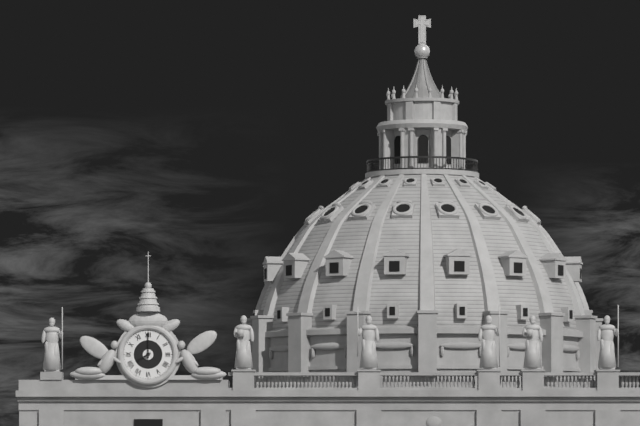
8:00
